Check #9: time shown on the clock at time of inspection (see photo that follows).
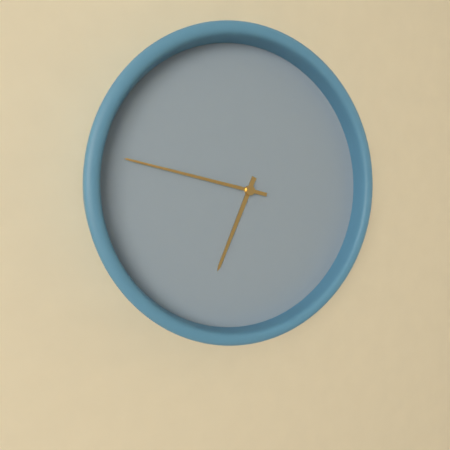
6:47
